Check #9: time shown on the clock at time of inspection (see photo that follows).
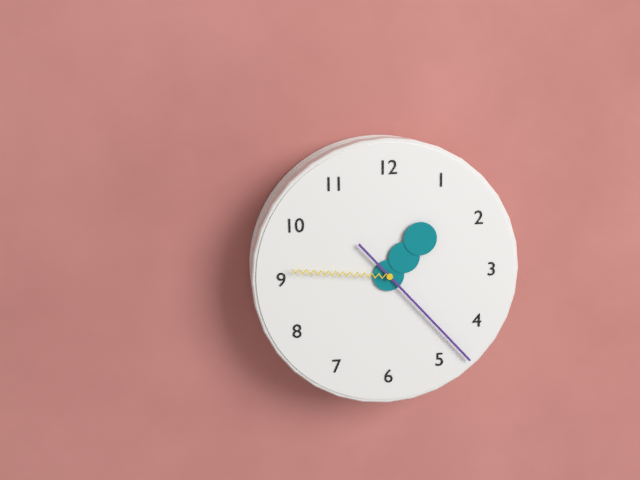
1:23:46
